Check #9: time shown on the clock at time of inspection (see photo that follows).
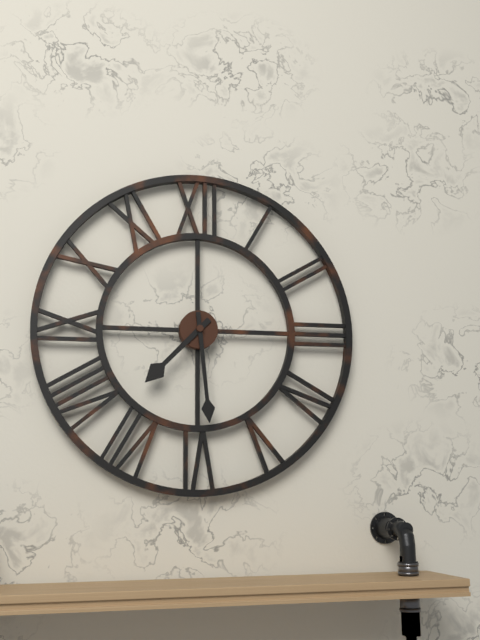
7:29
